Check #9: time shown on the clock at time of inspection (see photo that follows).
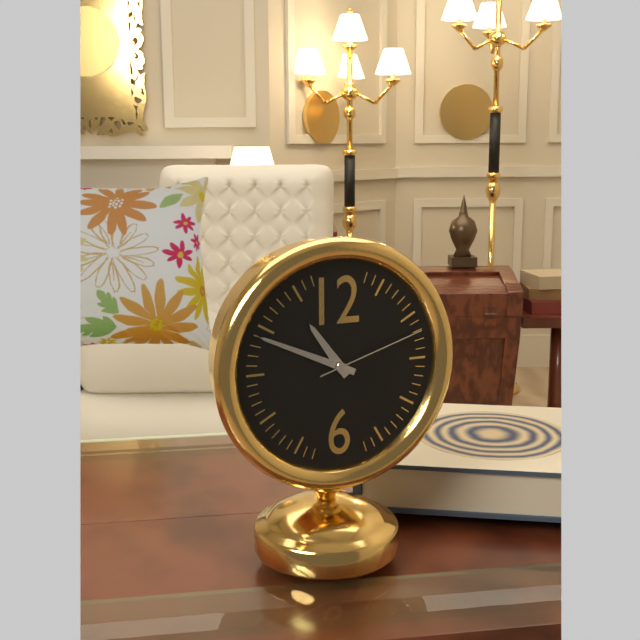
10:49:12
